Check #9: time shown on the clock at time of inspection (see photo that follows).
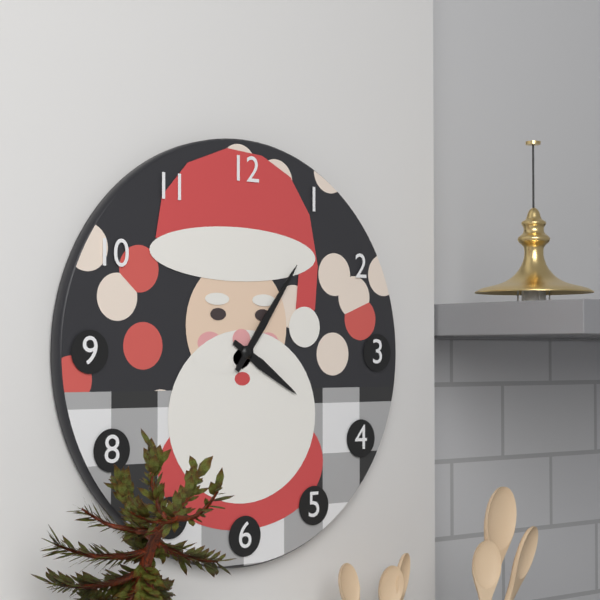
4:06
